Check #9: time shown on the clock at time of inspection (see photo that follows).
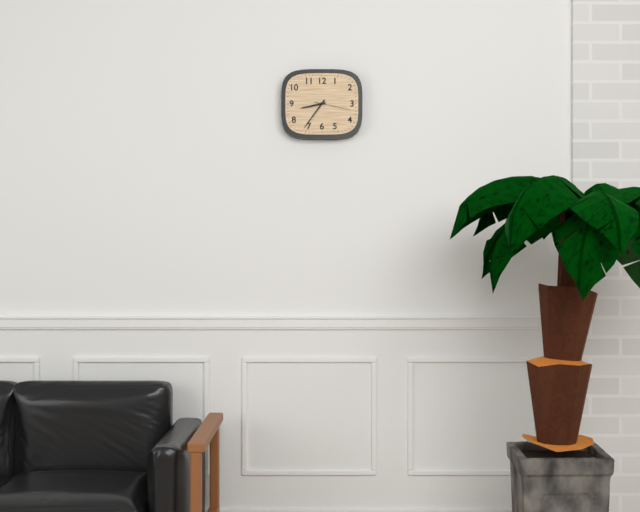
8:36
